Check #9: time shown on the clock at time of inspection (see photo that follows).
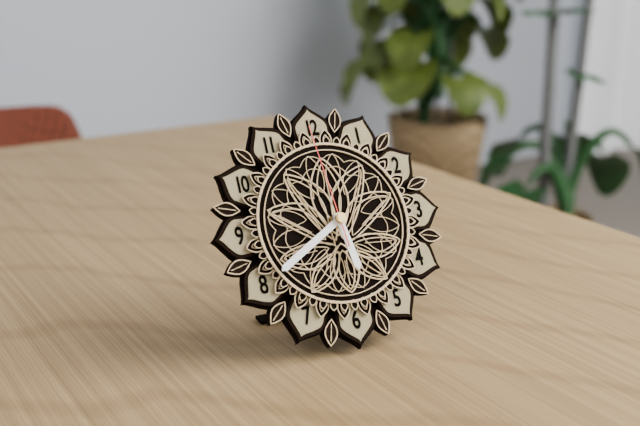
5:40:59
